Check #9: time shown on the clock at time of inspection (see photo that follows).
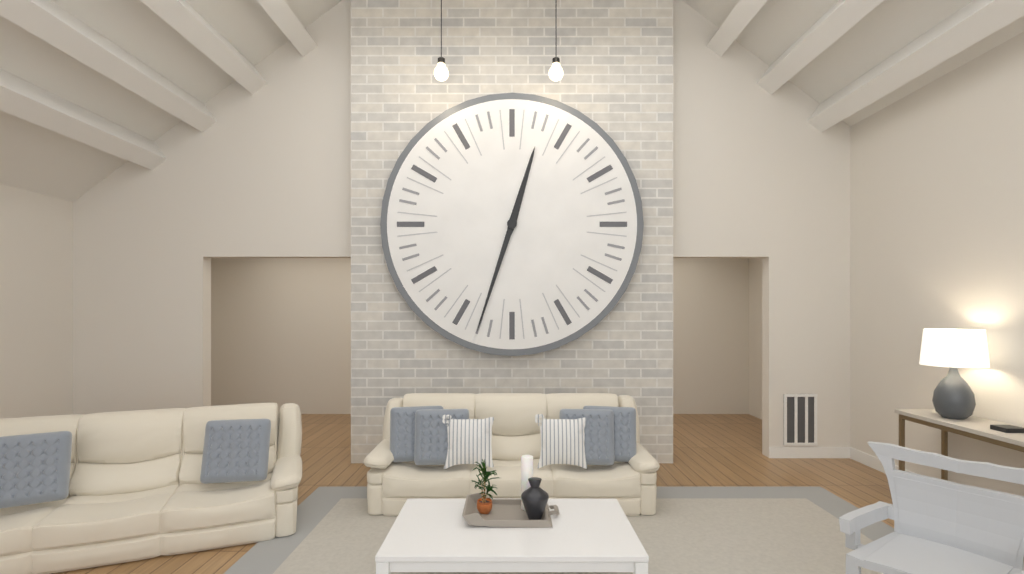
12:33
